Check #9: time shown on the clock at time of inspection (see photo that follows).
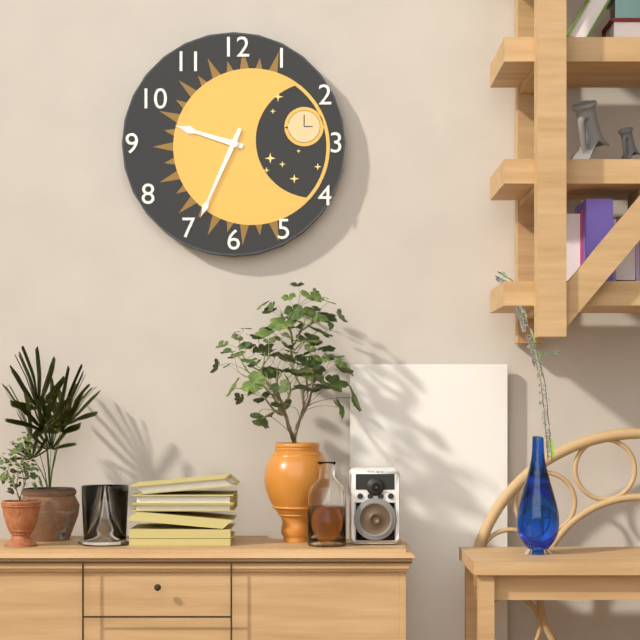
9:34
